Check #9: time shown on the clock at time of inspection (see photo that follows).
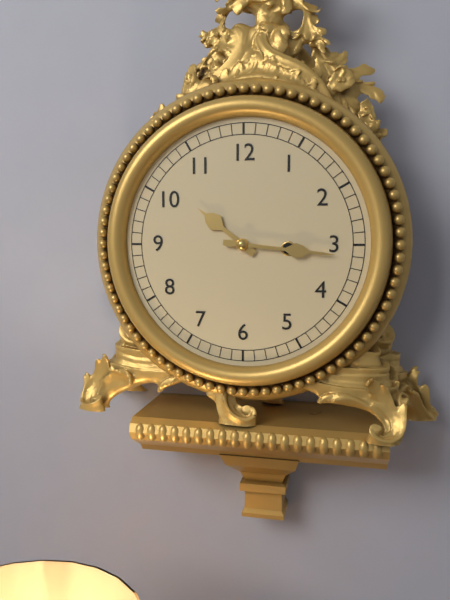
10:16
